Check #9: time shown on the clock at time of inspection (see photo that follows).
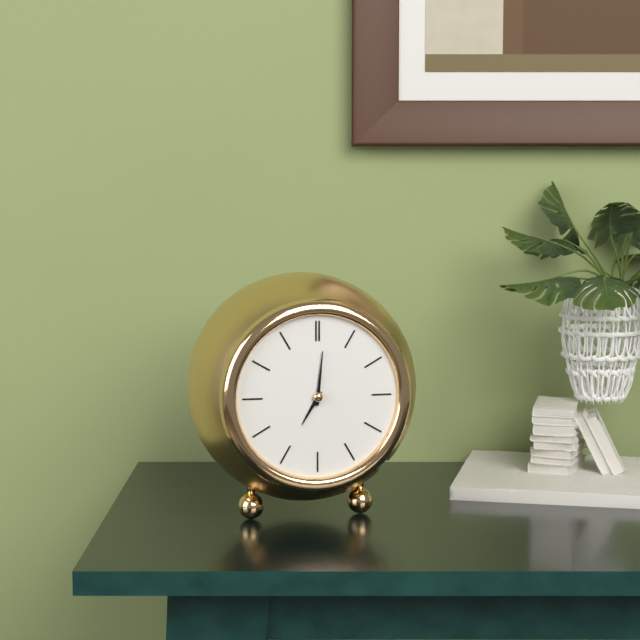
7:01
